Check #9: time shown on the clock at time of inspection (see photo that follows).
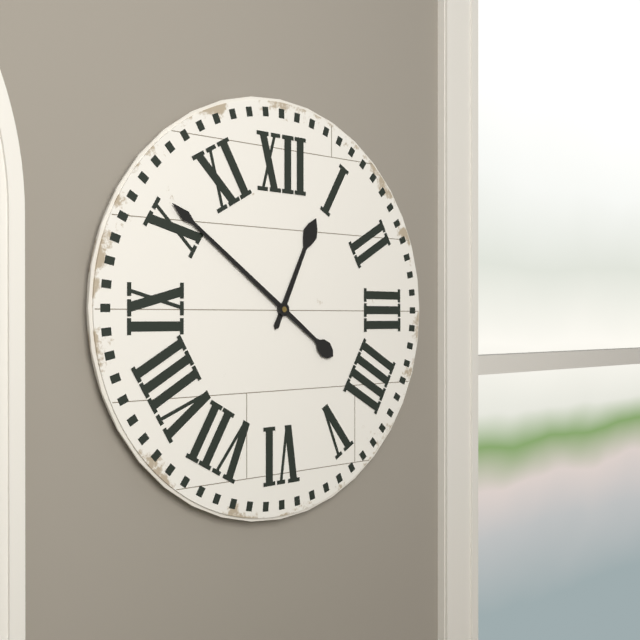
12:51
